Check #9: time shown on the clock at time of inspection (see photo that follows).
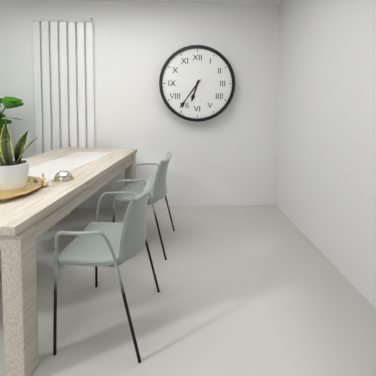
6:36
